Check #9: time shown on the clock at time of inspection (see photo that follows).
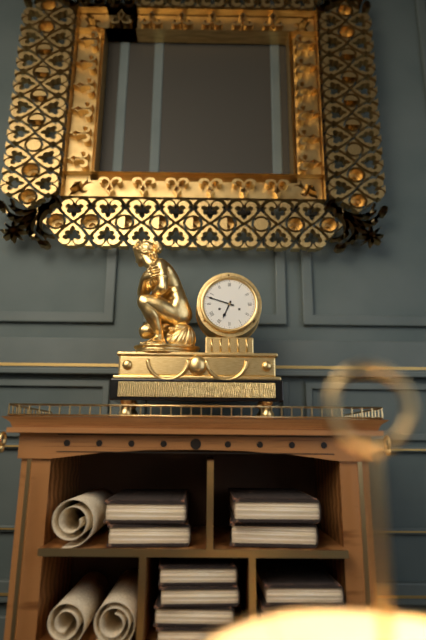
6:48
